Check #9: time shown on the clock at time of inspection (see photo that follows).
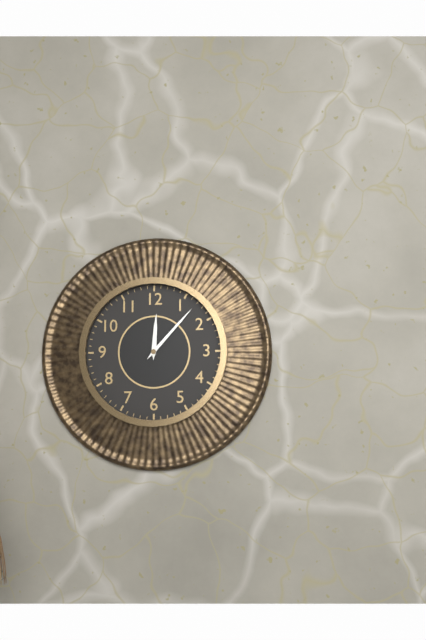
12:07
